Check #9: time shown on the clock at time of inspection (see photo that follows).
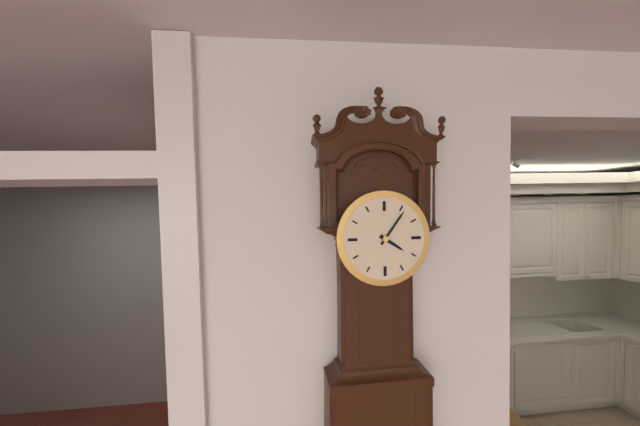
4:06
